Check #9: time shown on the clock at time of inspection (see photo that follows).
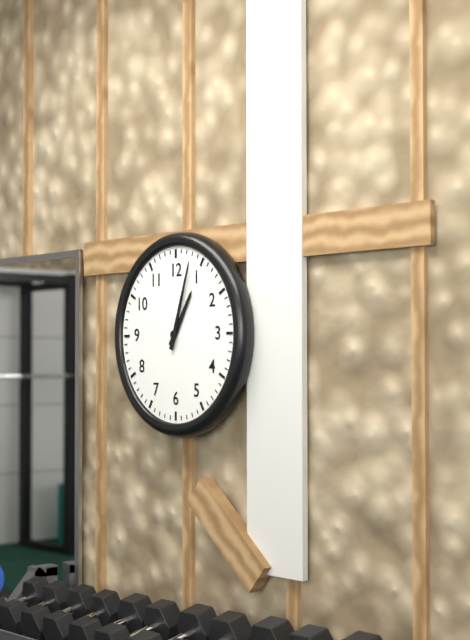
1:03
